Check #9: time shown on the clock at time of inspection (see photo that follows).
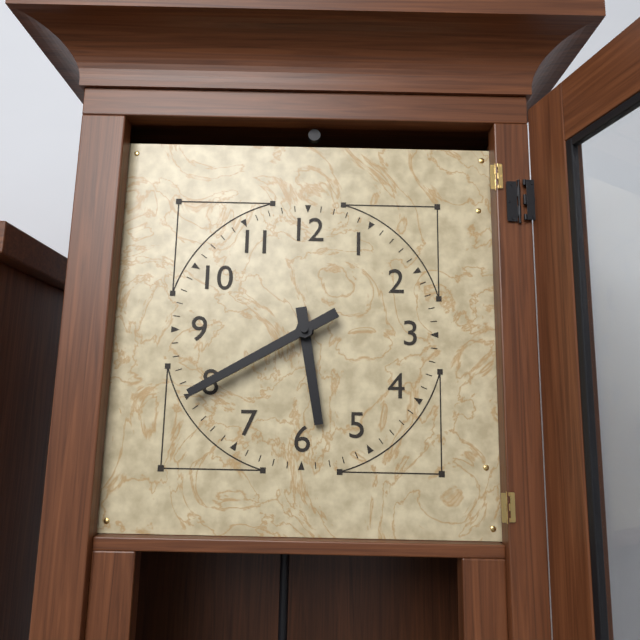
5:40
